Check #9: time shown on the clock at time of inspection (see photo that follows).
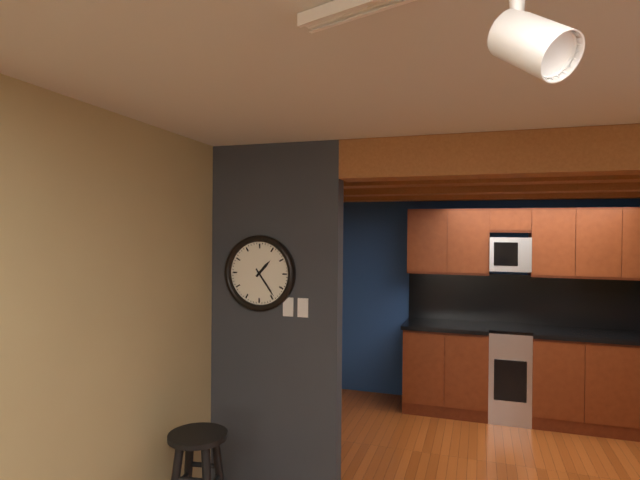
1:24
